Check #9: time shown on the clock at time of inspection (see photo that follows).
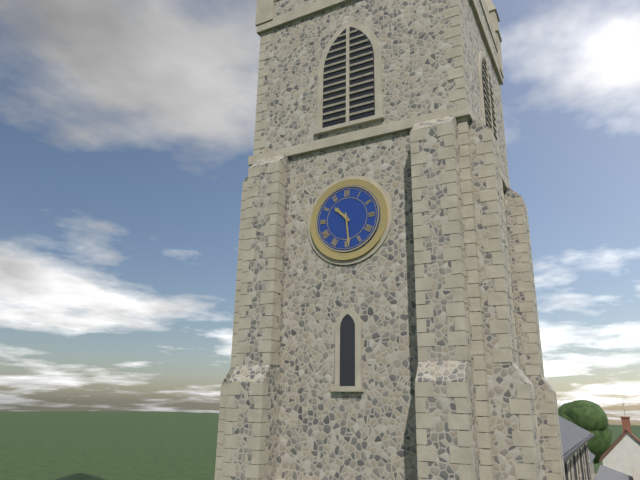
10:29
